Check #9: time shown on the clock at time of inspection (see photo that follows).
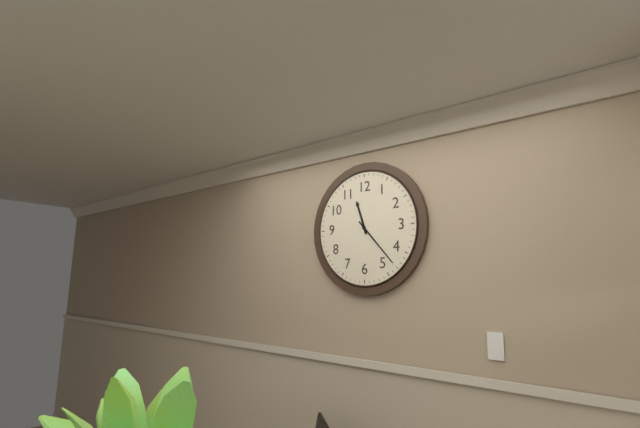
11:23
